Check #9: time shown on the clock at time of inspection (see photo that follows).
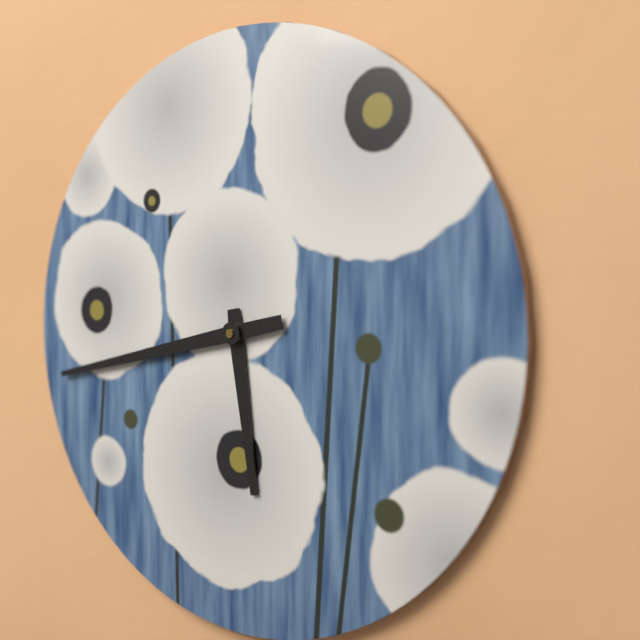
5:43
